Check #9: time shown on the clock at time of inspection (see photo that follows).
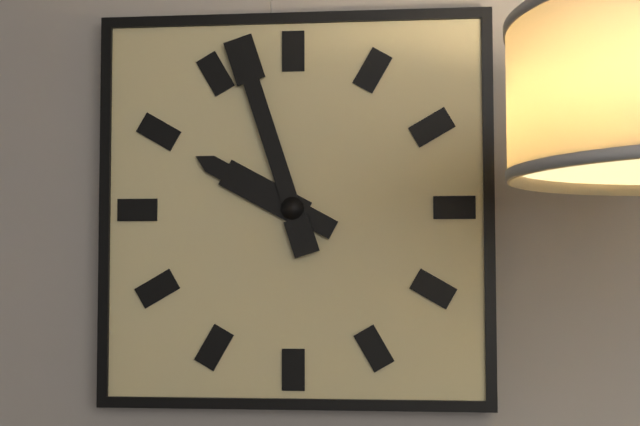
9:57
